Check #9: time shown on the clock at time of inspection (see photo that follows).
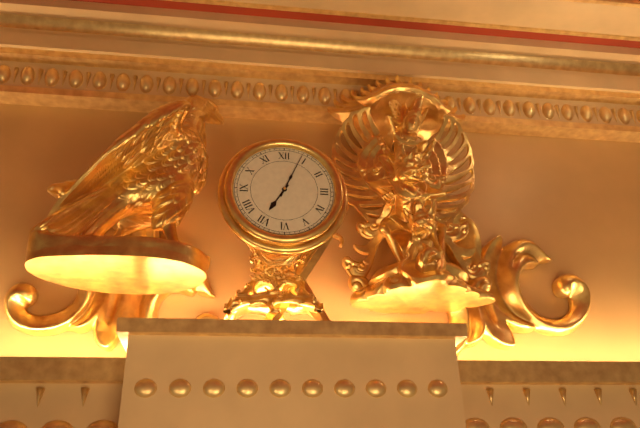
7:04
